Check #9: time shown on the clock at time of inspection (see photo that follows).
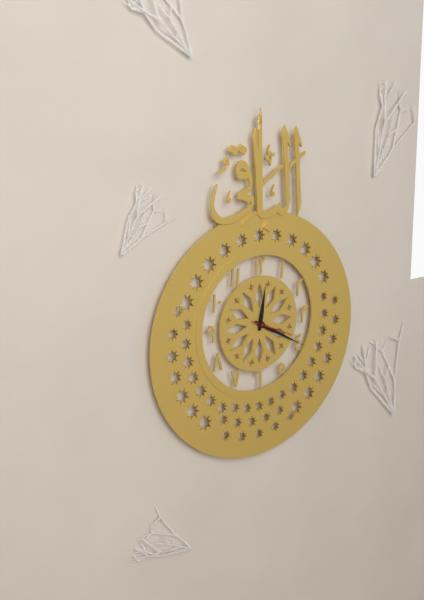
12:20:19
